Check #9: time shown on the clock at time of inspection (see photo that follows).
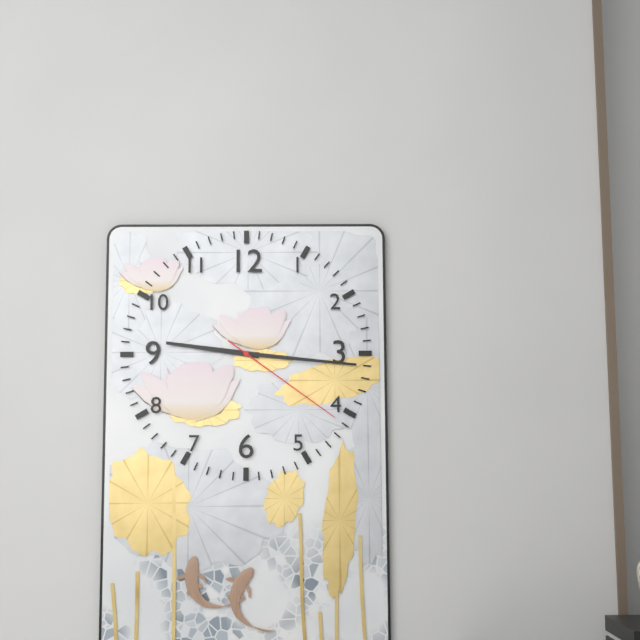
9:16:21
